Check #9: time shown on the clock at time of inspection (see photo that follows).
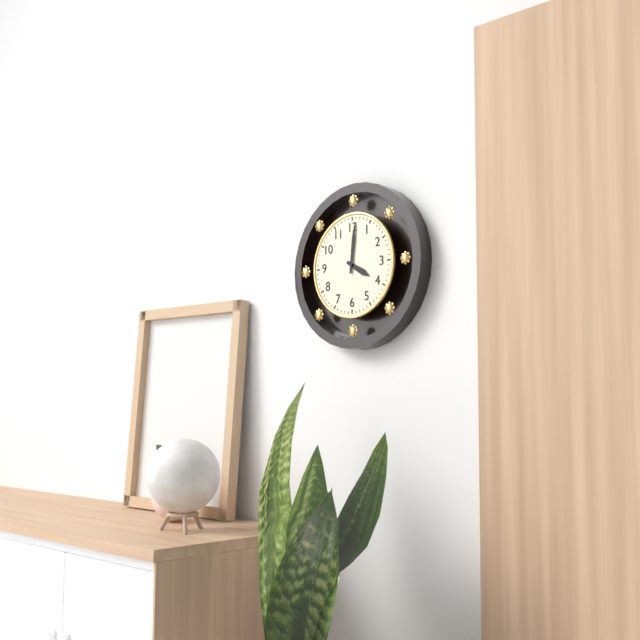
4:01
